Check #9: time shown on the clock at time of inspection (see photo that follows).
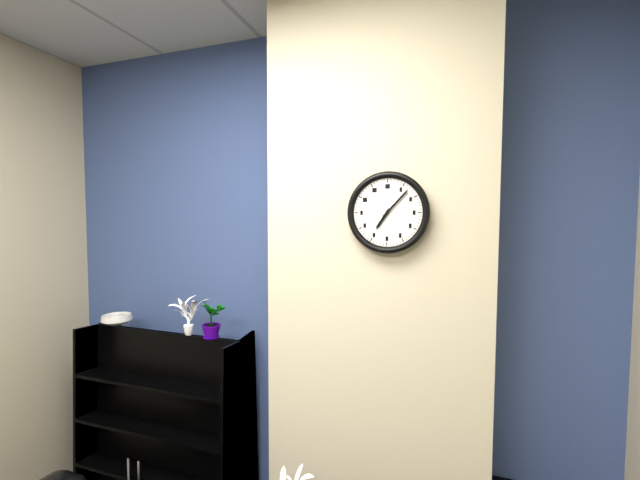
7:07
